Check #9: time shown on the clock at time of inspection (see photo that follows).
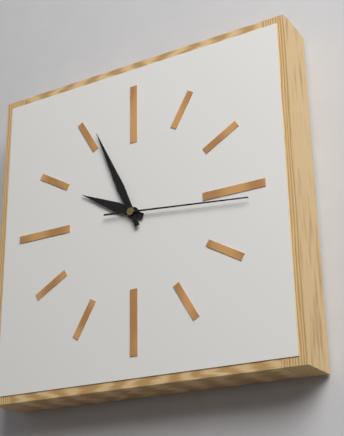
9:56:16
